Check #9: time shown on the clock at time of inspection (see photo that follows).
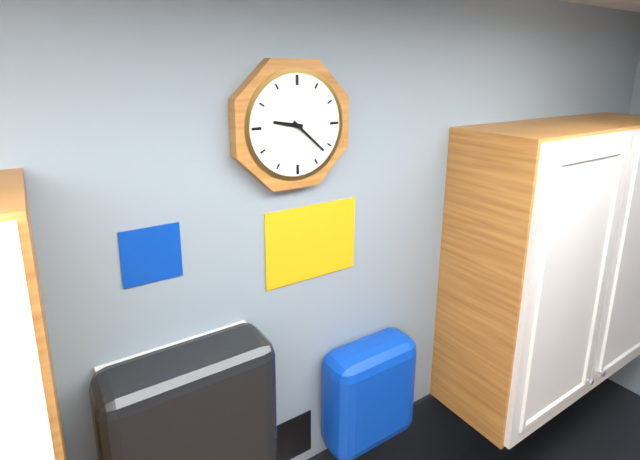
9:22
